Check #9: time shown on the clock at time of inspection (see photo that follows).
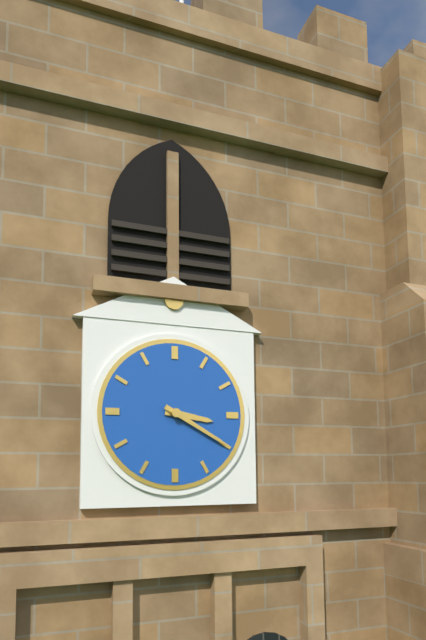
3:20
